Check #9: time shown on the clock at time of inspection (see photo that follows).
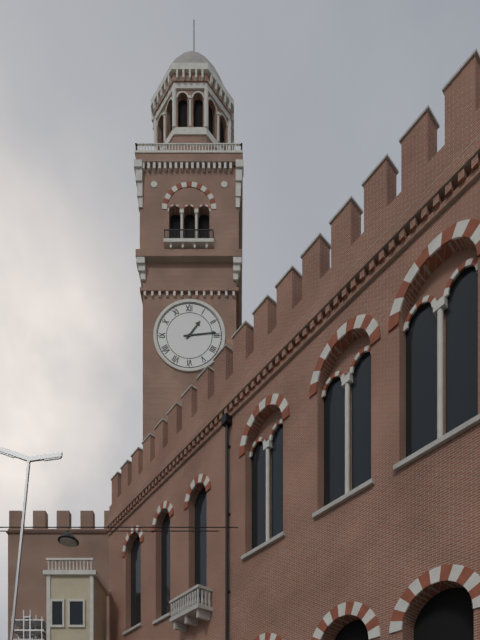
1:14
